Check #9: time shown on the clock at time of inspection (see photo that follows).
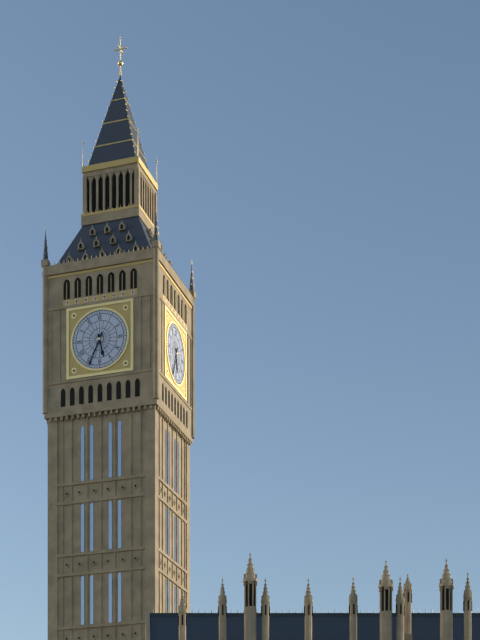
5:34
